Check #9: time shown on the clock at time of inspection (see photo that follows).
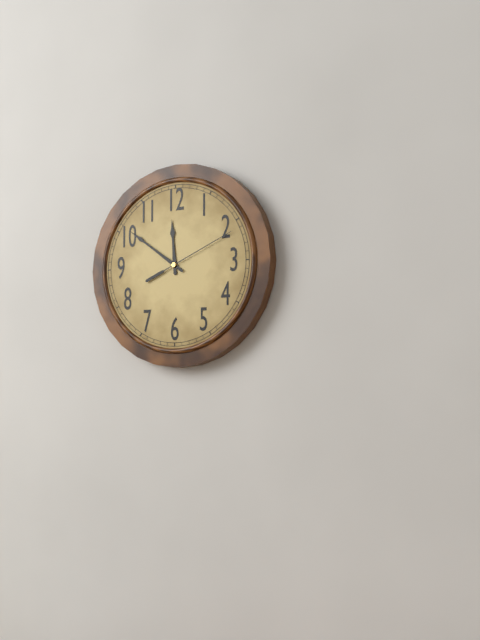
11:51:11
